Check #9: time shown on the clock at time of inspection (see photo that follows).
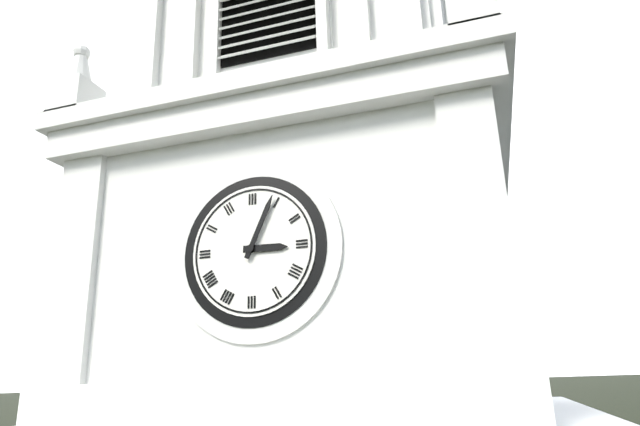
3:04
